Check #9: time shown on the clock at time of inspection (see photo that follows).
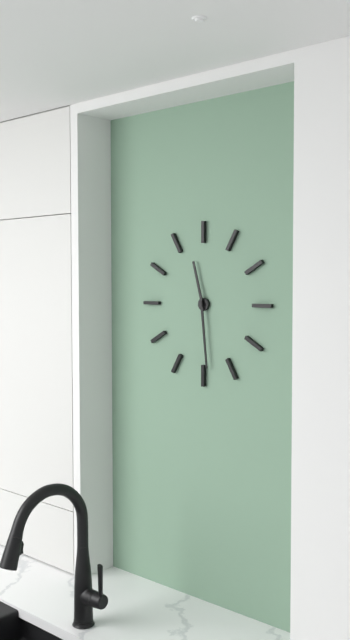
11:29
